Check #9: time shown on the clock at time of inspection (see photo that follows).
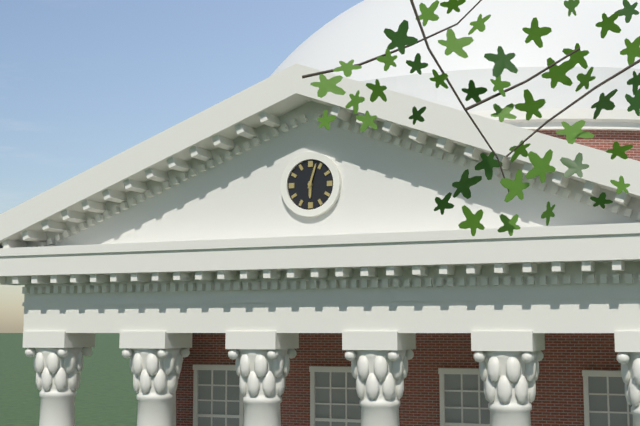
6:03
